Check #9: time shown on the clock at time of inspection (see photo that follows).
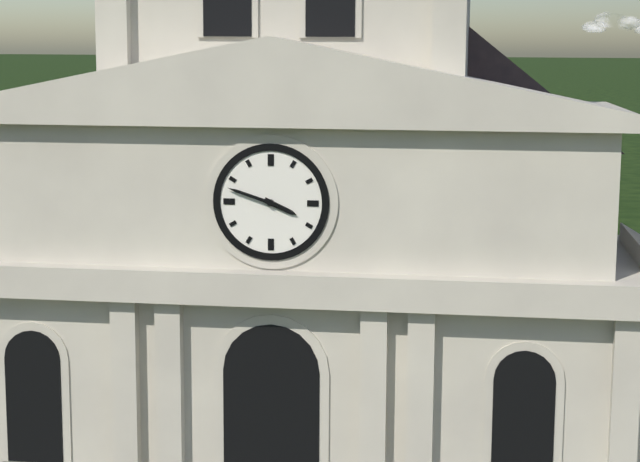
3:48
